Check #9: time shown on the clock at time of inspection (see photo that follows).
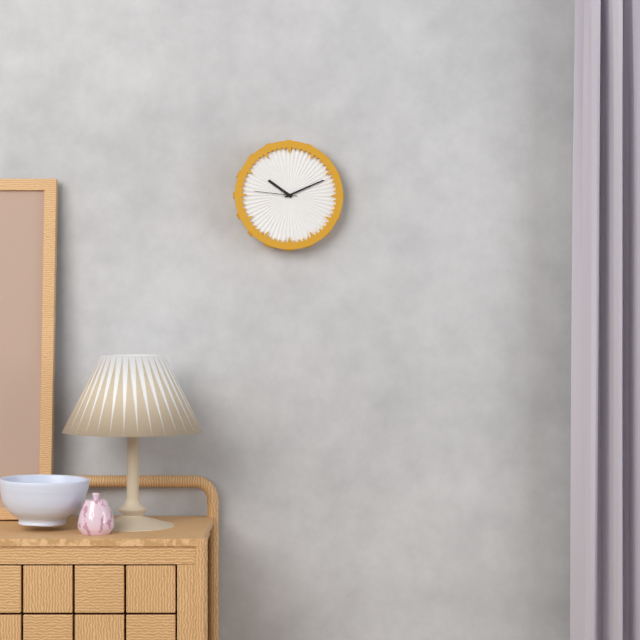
10:11
